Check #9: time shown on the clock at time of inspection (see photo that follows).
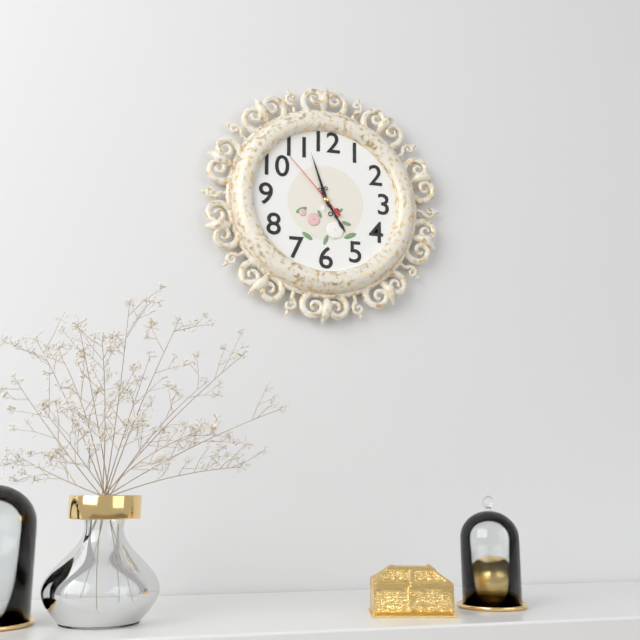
4:57:53
